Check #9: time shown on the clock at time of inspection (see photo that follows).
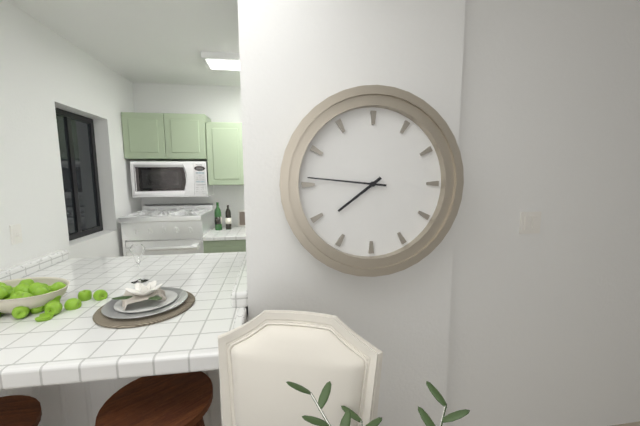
7:46
